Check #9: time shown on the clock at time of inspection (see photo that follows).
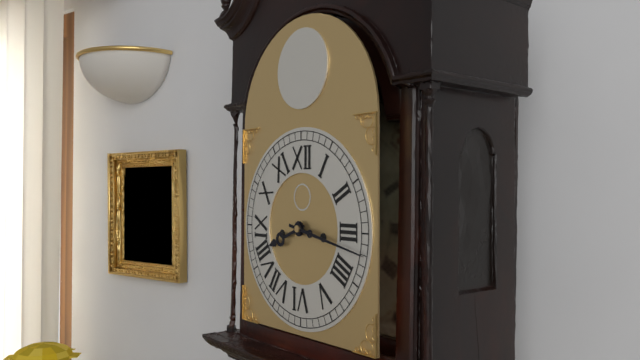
8:17
